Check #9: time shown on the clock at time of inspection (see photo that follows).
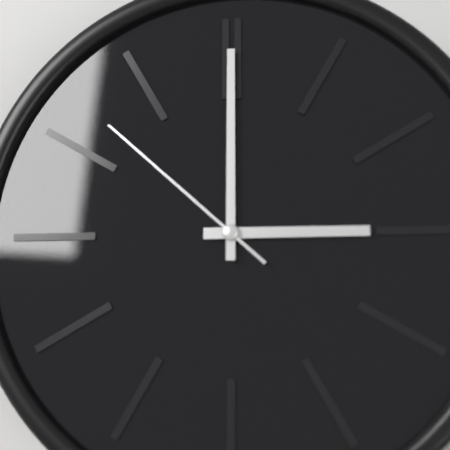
3:00:52
